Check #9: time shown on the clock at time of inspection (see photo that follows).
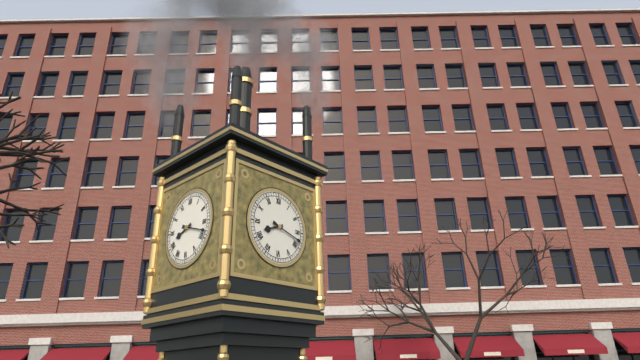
8:18
